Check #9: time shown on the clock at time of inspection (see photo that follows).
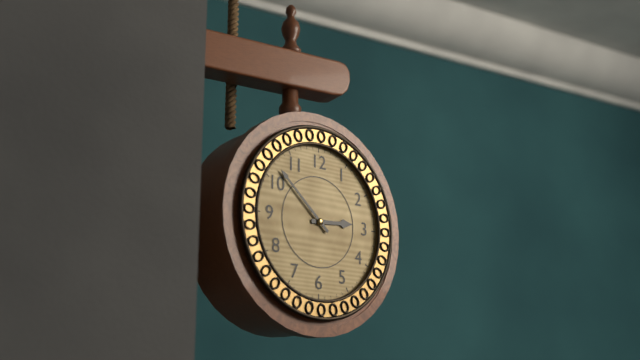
2:52
